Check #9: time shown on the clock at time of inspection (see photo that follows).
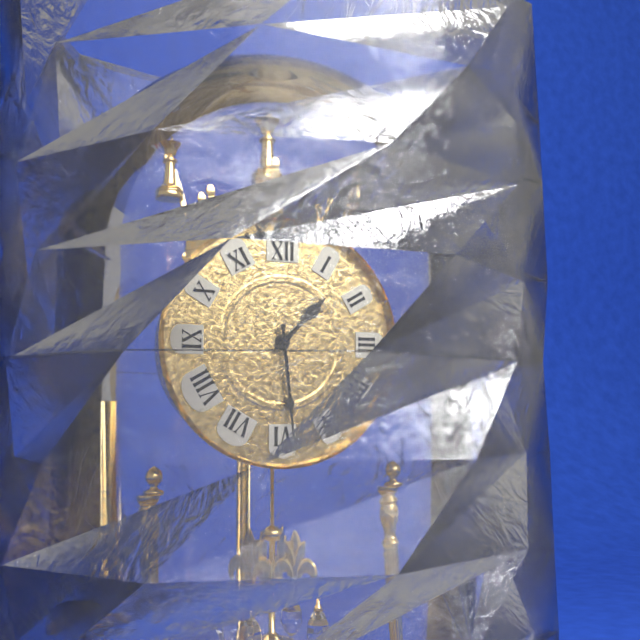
1:29
